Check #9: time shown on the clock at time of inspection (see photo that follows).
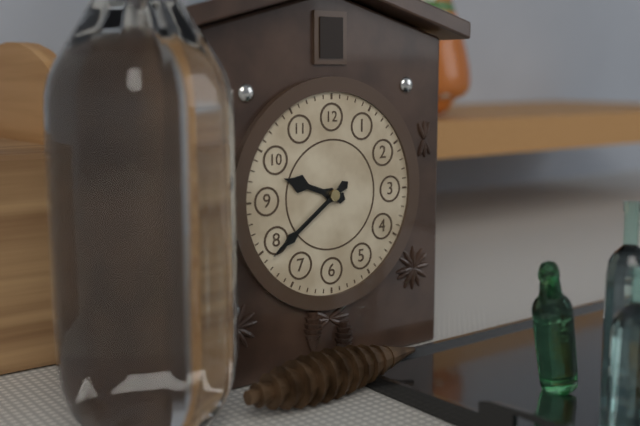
9:39
